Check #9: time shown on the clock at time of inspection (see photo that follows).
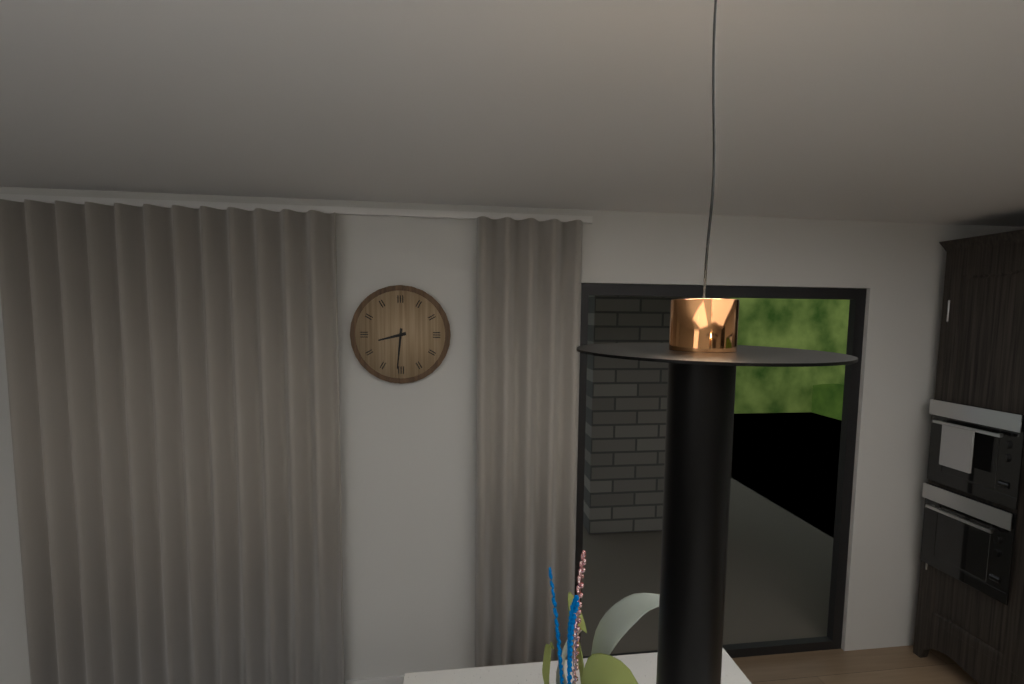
8:31
